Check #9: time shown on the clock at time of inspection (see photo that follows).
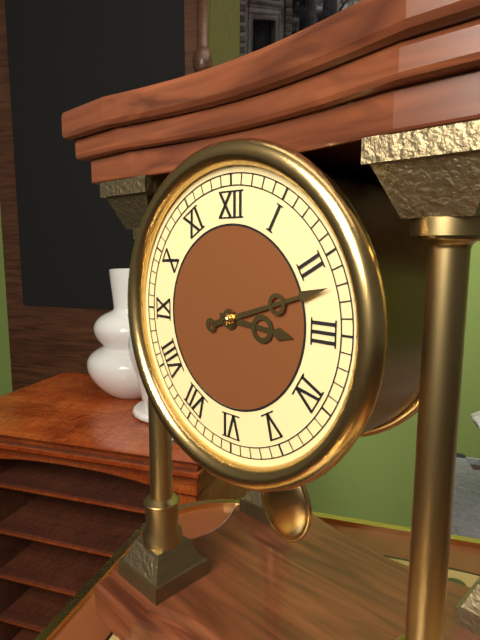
3:12
